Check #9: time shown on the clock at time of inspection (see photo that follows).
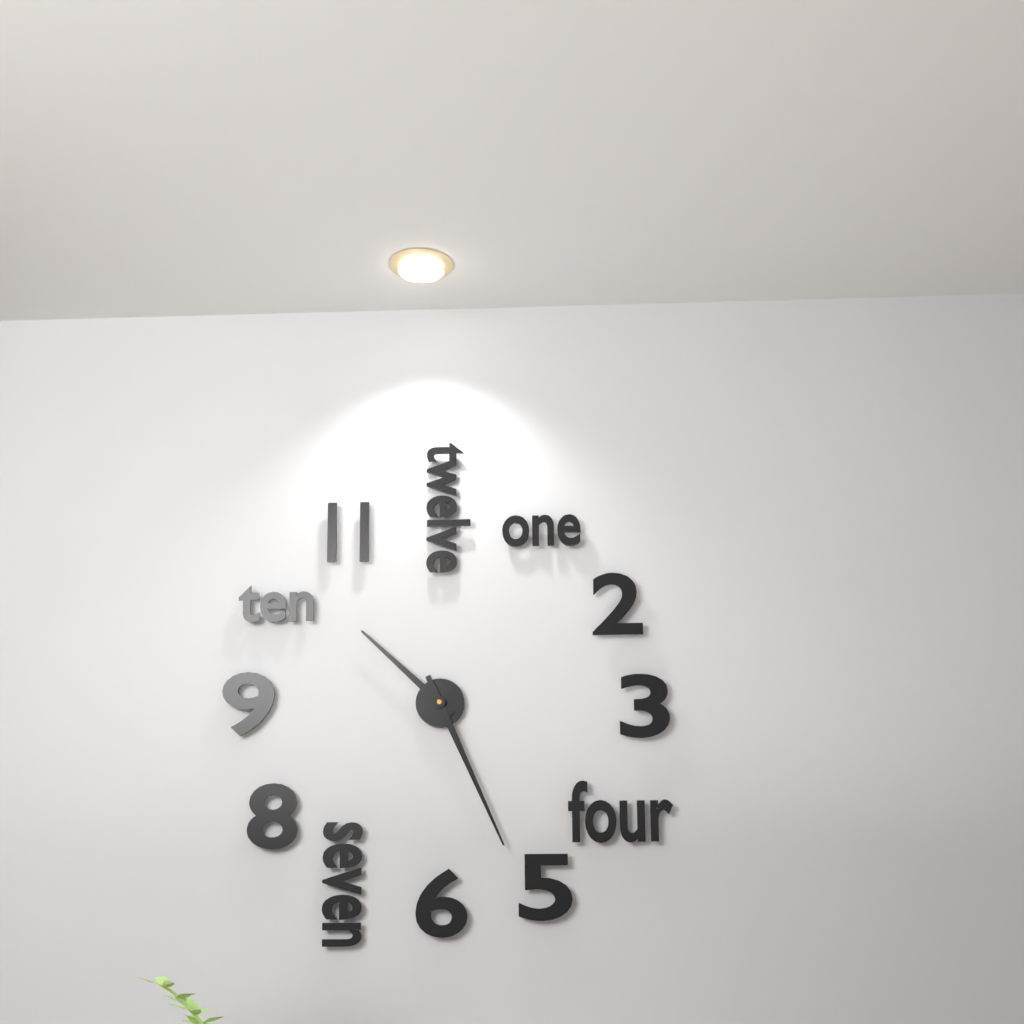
10:26
